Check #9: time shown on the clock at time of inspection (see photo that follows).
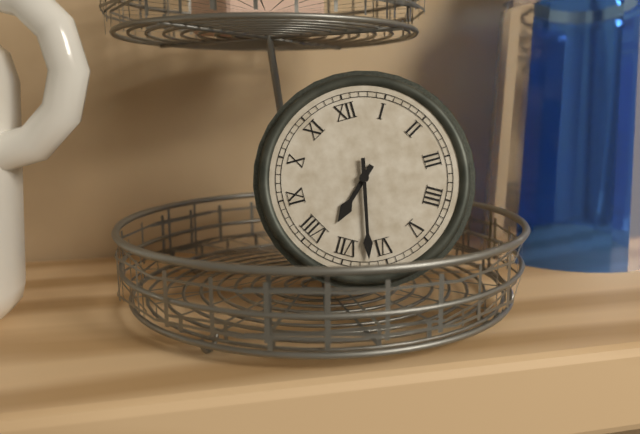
7:32
